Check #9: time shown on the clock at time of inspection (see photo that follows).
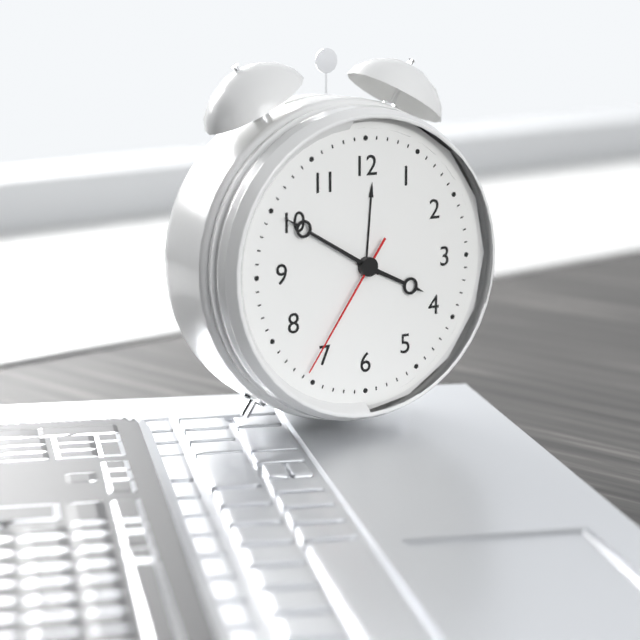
3:50:36
